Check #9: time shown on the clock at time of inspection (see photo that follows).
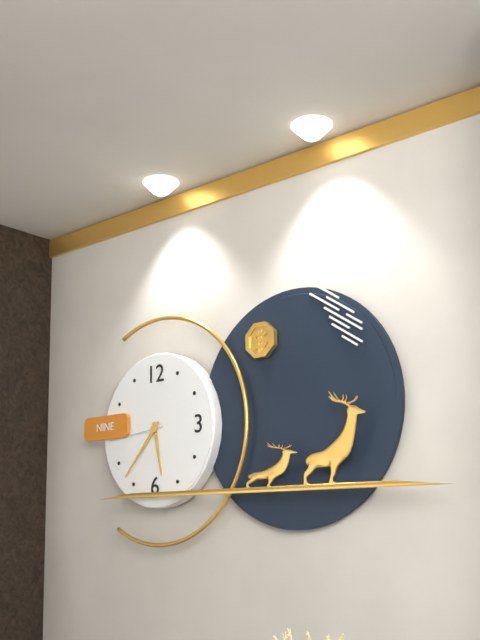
5:37:44
